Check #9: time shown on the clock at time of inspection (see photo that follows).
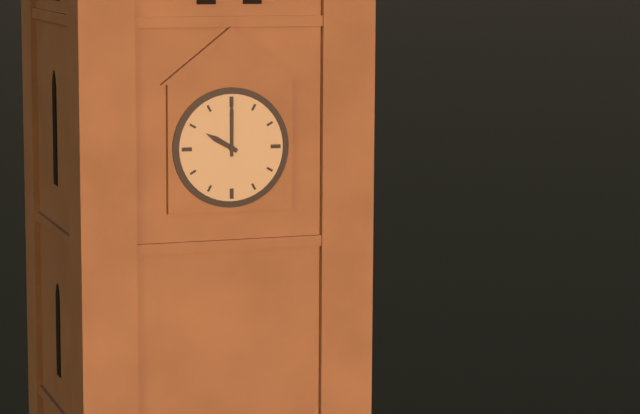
10:00
